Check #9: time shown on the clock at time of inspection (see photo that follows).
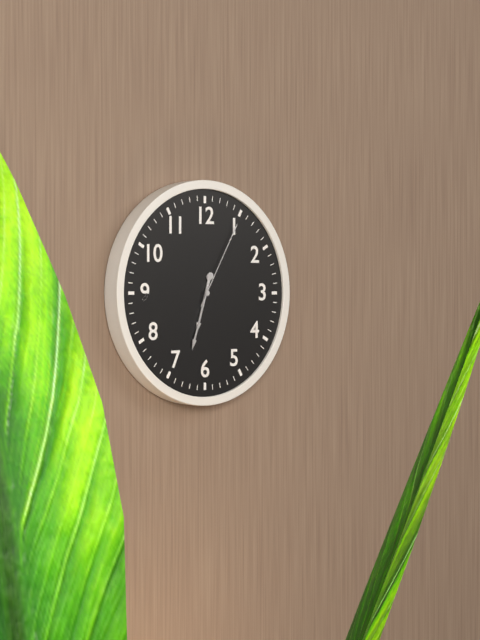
6:33:05
